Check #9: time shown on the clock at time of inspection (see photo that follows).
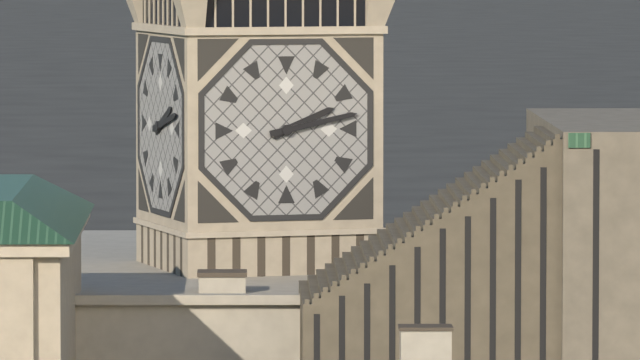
2:13
